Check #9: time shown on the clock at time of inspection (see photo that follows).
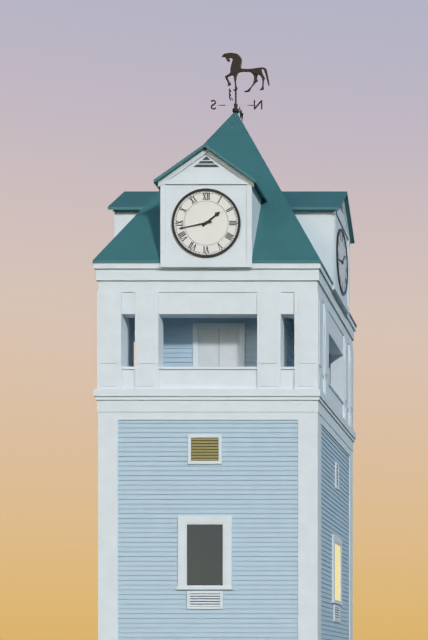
1:43
